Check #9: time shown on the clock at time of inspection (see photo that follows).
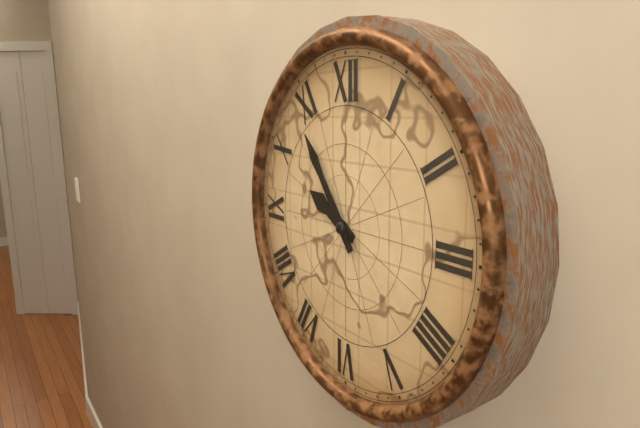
9:54
